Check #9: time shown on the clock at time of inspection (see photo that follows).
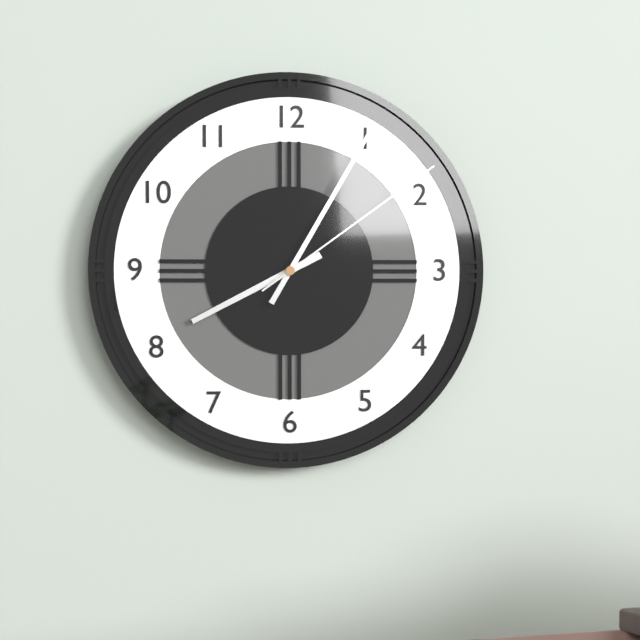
8:05:09
